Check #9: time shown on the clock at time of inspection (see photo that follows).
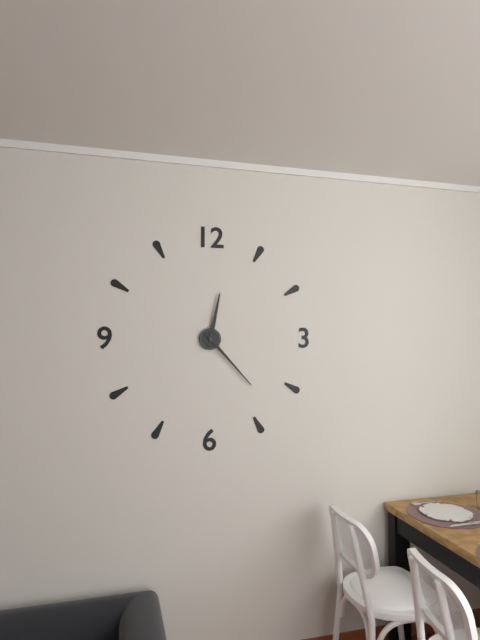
12:23
